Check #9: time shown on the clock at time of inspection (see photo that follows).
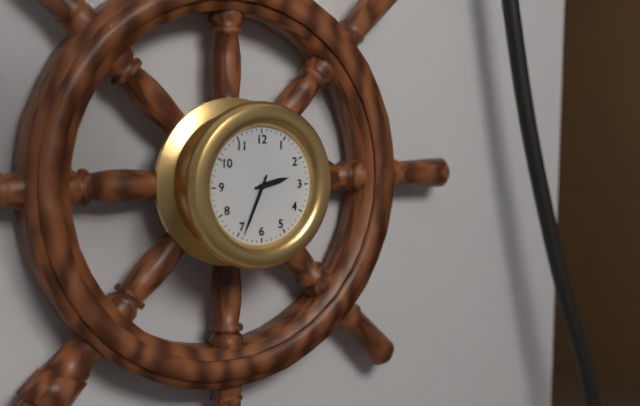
2:34
